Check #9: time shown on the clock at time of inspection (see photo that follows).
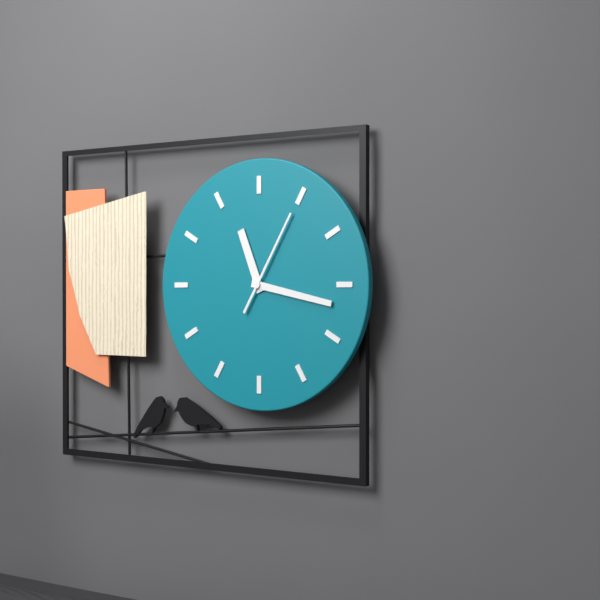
11:17:05
